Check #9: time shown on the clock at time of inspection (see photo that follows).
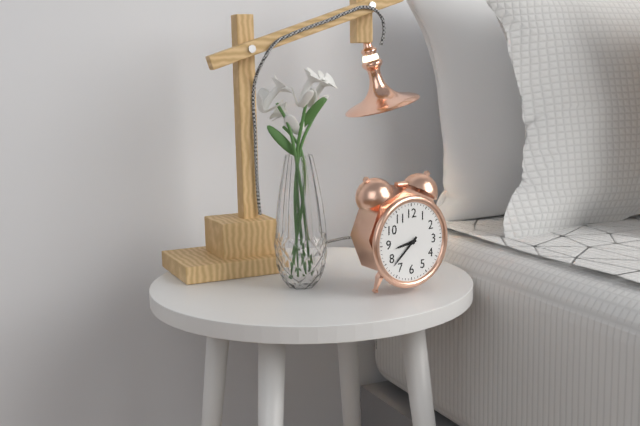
8:38
